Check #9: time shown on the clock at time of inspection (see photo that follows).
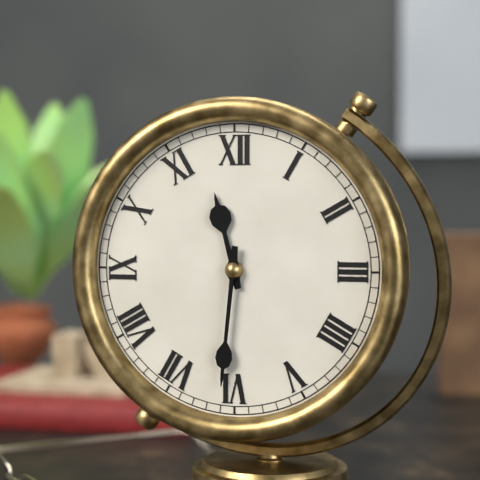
11:31
